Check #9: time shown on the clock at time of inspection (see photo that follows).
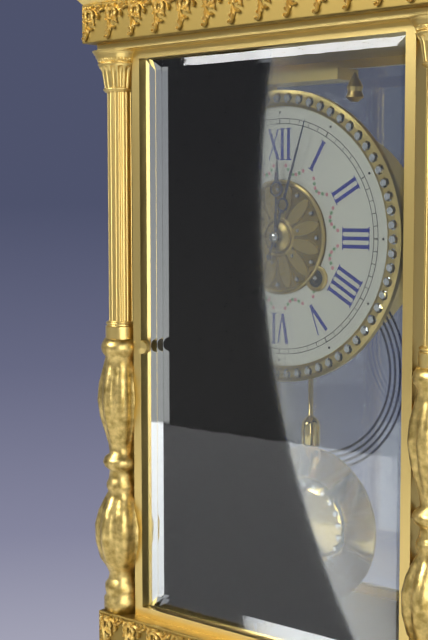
12:03
